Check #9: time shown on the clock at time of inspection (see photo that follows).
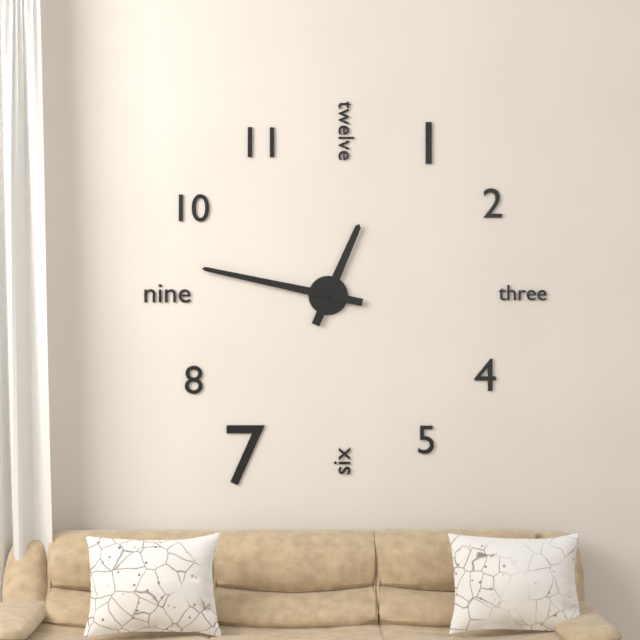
12:47
